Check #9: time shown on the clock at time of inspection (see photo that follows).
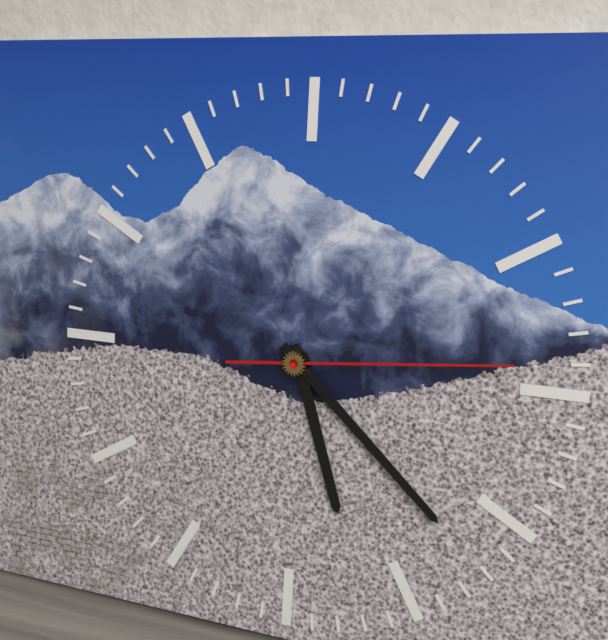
5:22:14
